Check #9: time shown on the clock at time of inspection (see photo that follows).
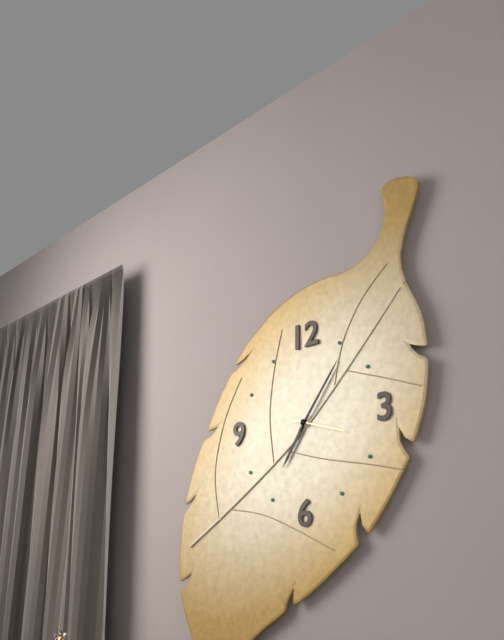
7:06:18
